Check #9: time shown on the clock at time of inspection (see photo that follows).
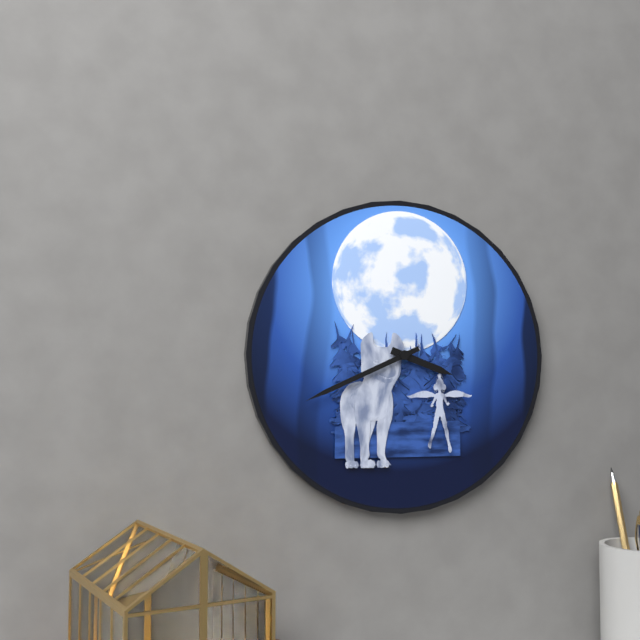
3:41
